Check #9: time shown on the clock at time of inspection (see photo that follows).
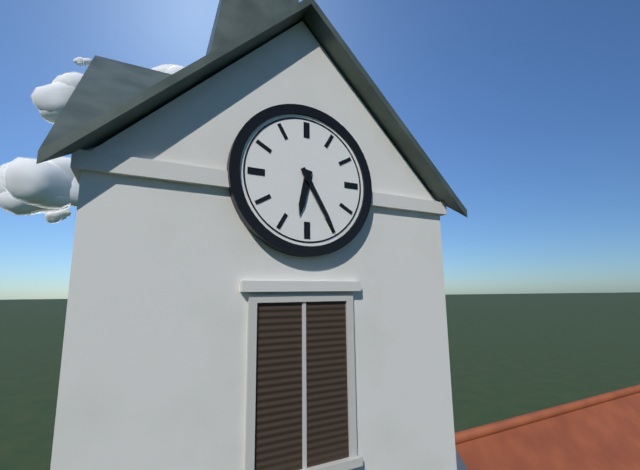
6:25
